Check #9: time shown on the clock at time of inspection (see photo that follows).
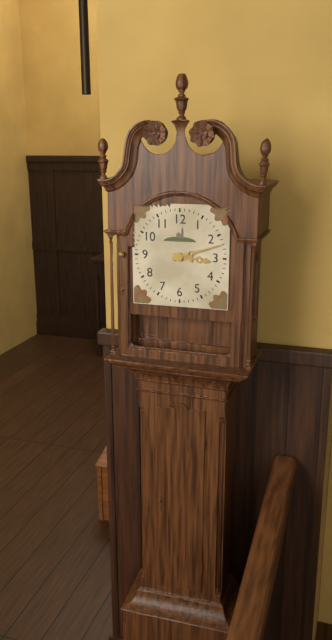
3:12
